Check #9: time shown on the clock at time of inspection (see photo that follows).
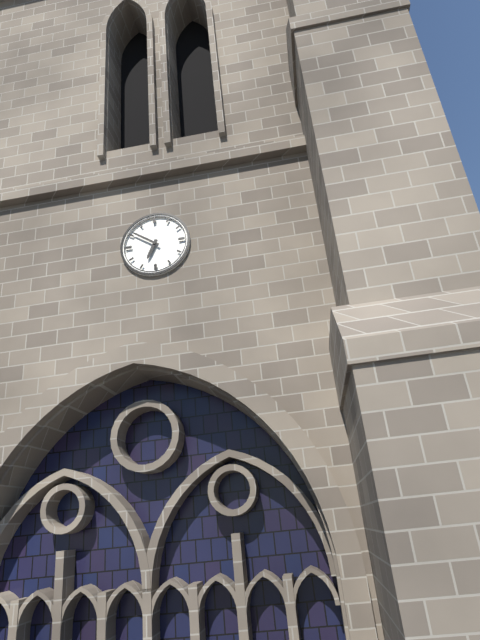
6:51
